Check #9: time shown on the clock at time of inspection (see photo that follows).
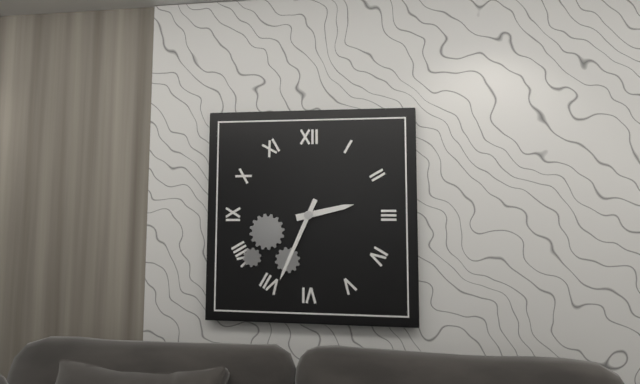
2:34
